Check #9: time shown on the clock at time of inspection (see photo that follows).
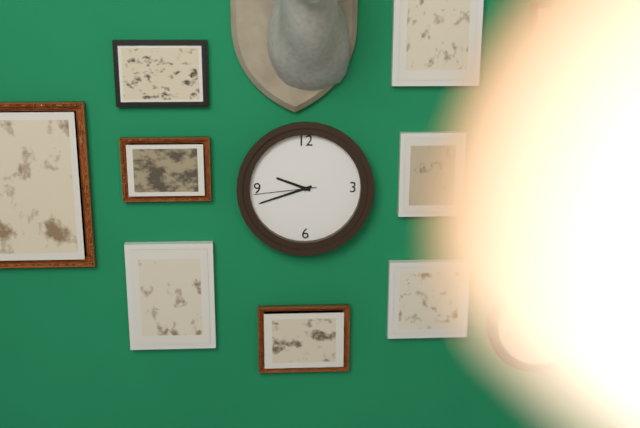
9:42:44
